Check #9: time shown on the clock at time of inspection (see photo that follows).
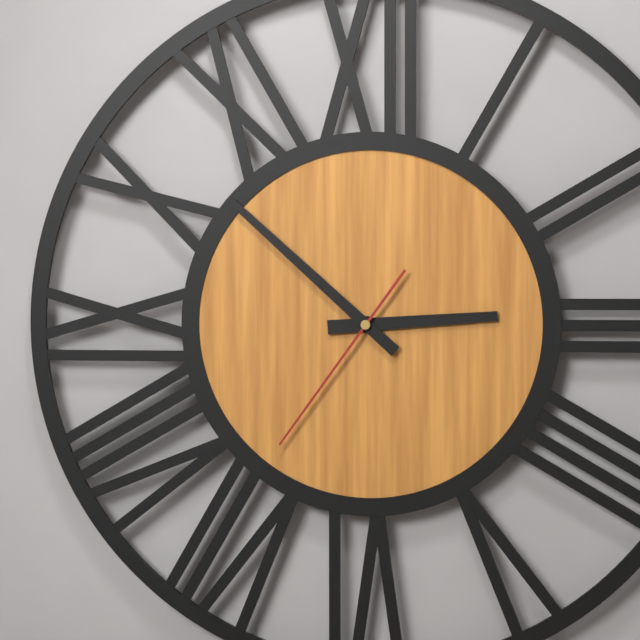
2:52:36
